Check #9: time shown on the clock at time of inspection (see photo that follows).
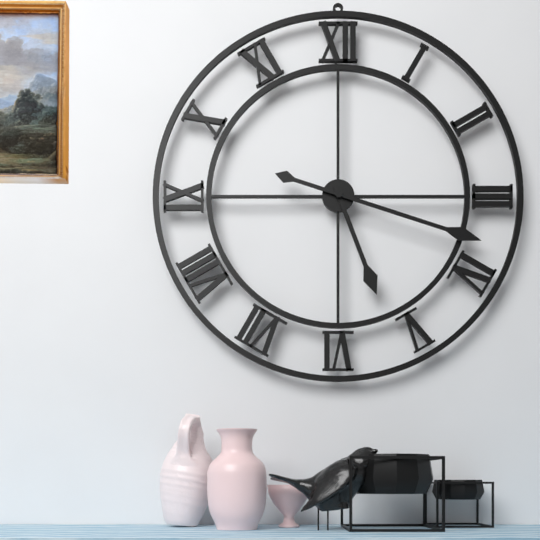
5:18
